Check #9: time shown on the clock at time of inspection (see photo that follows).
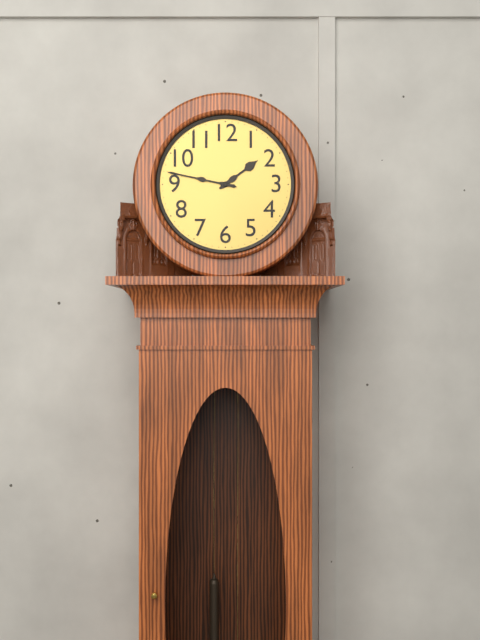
1:47
